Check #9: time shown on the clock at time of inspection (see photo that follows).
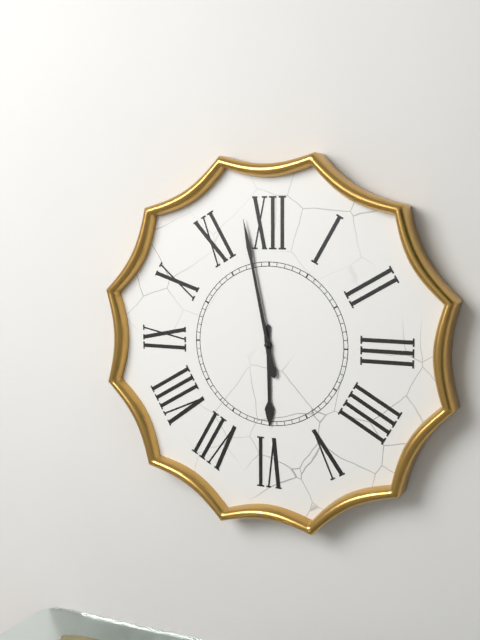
5:58
